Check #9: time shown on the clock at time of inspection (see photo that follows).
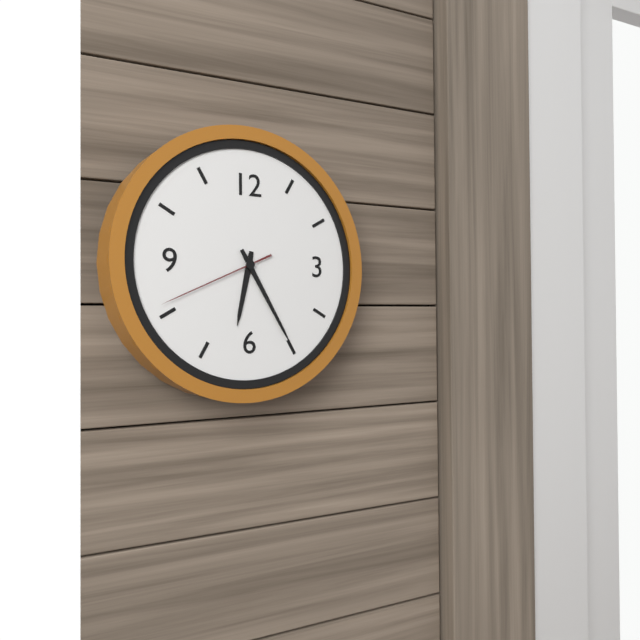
6:25:41
